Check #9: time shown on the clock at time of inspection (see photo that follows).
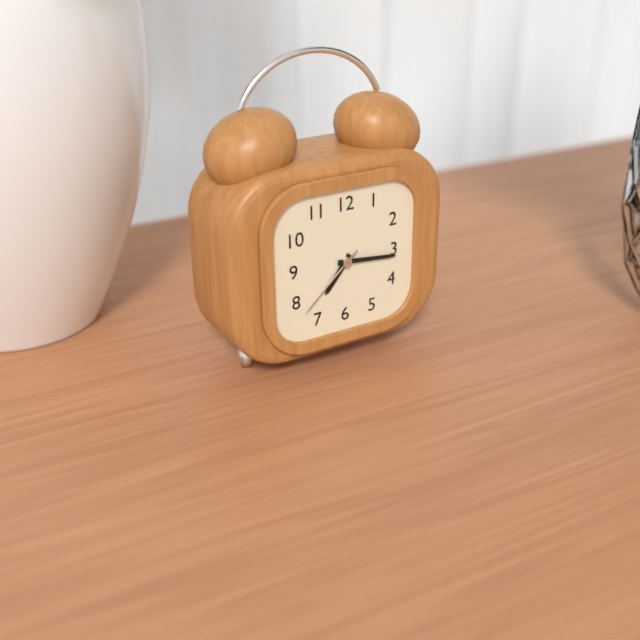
7:16:38
